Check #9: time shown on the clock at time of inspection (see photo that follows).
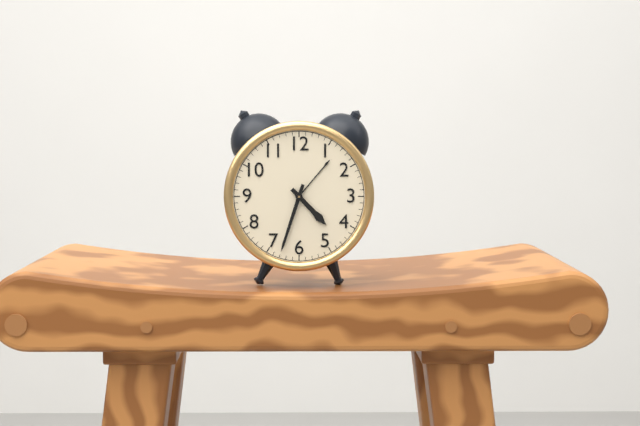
4:33
